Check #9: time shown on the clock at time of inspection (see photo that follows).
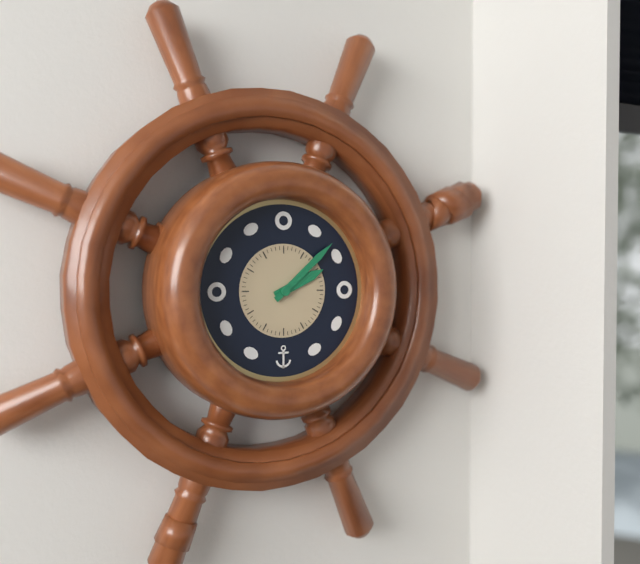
2:08
